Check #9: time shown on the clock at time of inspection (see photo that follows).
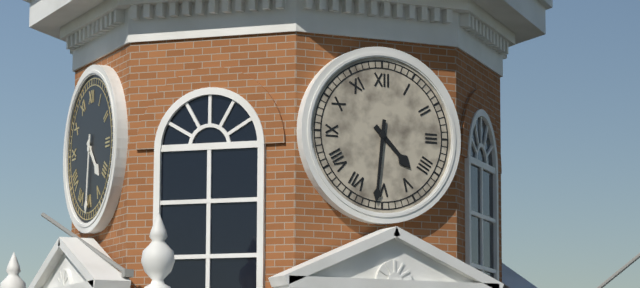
4:31
